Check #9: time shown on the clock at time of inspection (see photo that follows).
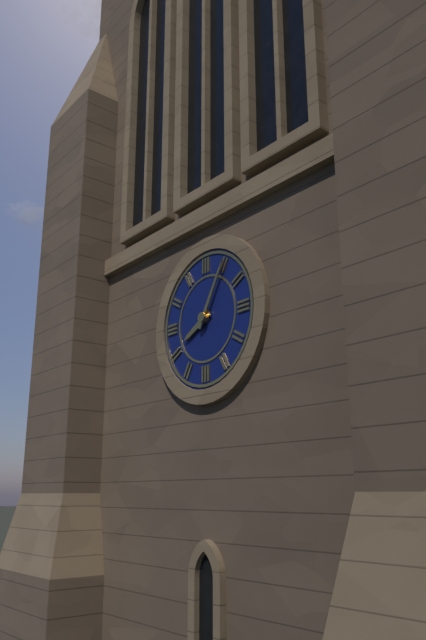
8:05
